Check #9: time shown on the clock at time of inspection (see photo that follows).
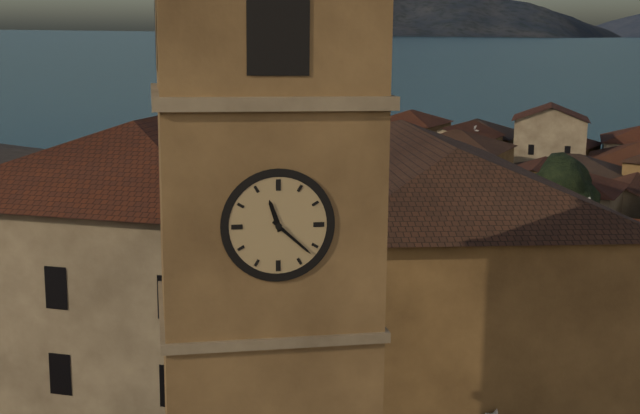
11:22
